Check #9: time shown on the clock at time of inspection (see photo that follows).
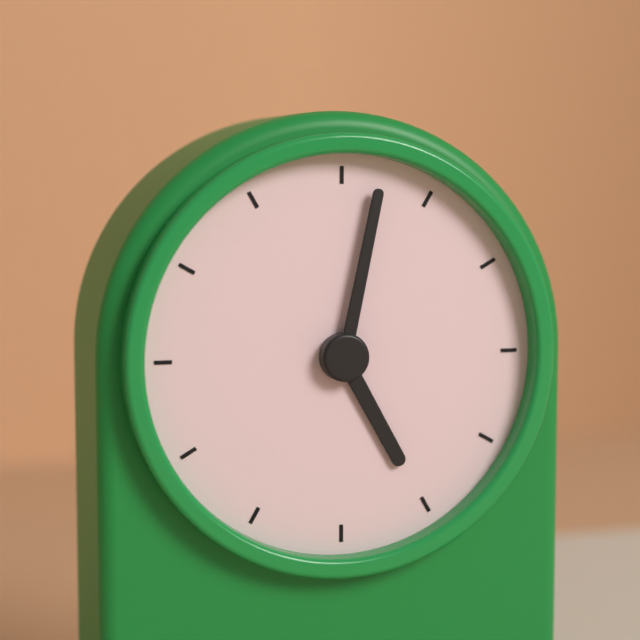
5:02
